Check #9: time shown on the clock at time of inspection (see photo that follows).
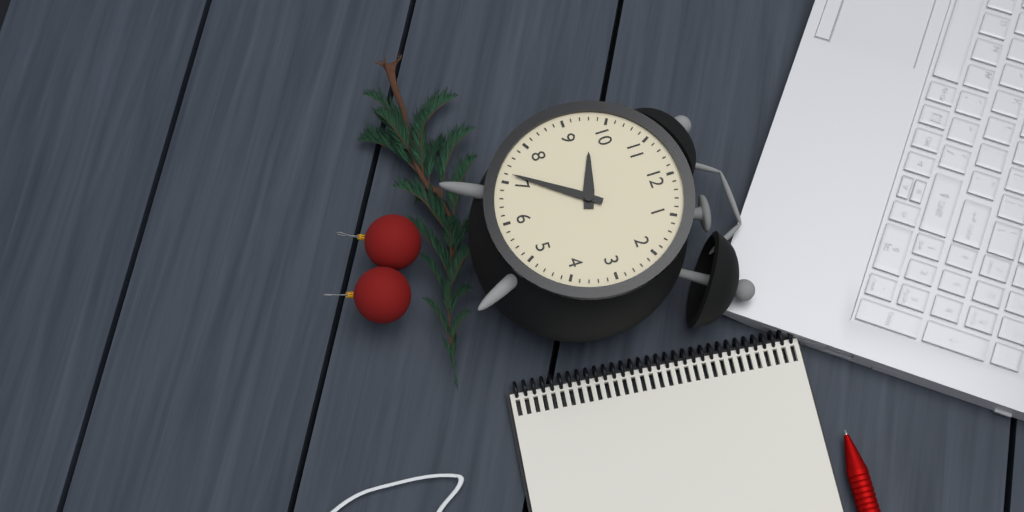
9:36
